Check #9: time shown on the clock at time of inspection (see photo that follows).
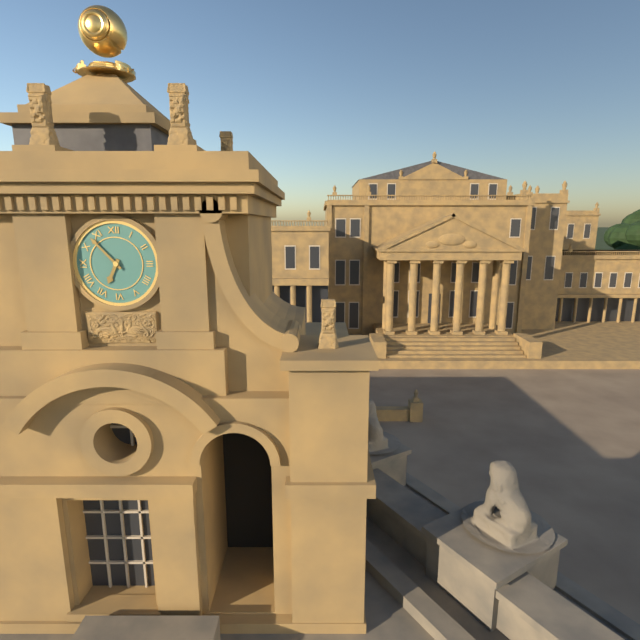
6:53
